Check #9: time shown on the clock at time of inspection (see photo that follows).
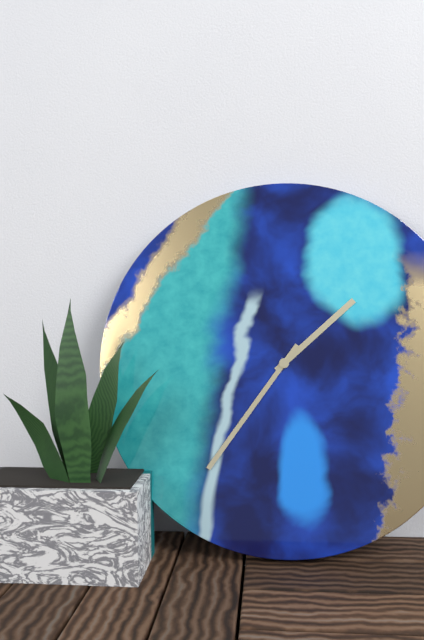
1:36
